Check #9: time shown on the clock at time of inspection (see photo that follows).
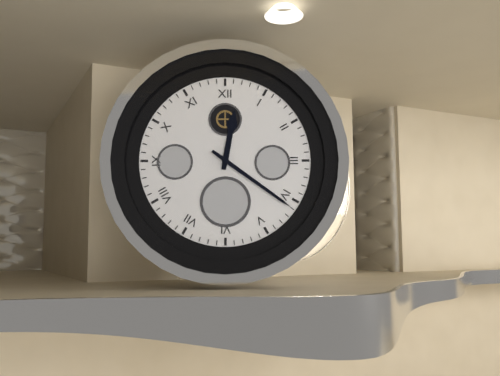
12:21
